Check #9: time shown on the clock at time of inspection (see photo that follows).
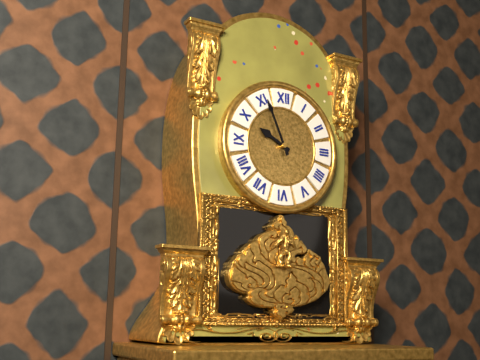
9:56
